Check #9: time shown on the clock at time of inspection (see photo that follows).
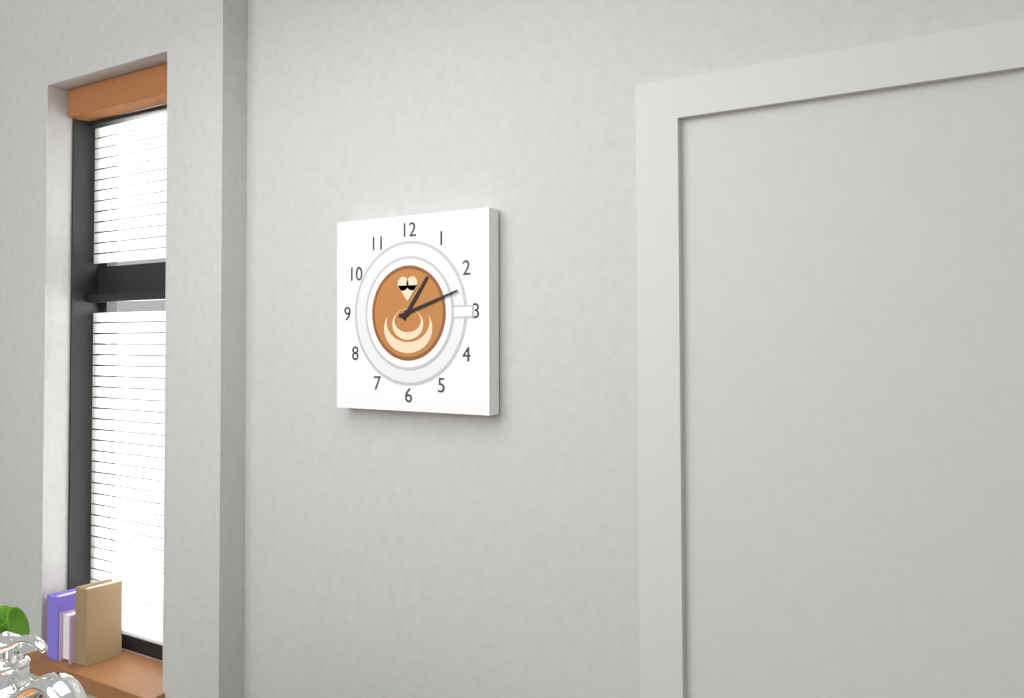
1:12
